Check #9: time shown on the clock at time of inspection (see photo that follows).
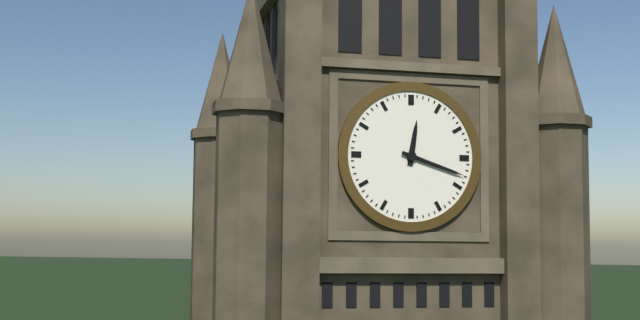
12:18
